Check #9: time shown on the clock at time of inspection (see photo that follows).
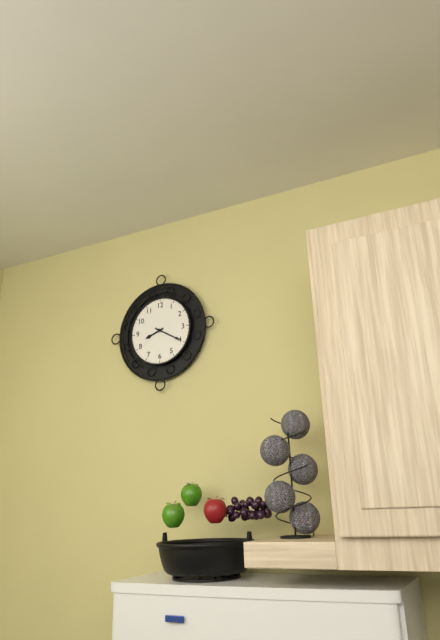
8:20
